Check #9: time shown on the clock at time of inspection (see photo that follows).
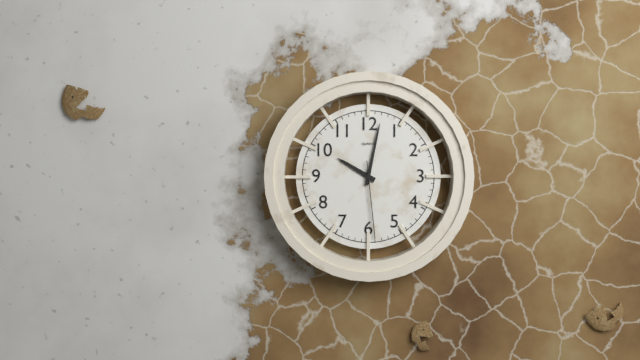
10:02:29
